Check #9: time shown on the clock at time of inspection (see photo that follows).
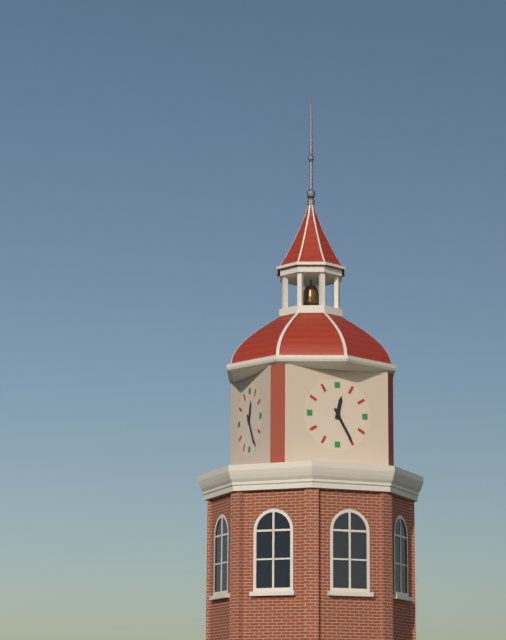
12:25
